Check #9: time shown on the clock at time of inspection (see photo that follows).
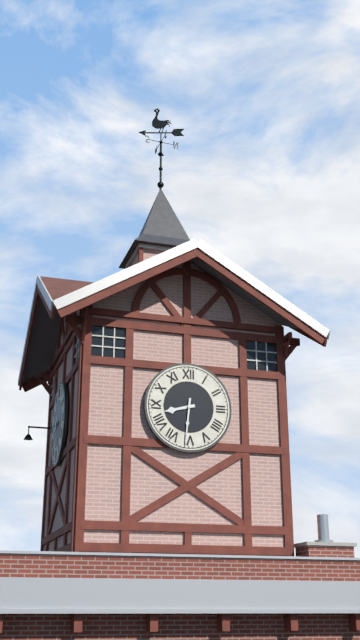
8:31
